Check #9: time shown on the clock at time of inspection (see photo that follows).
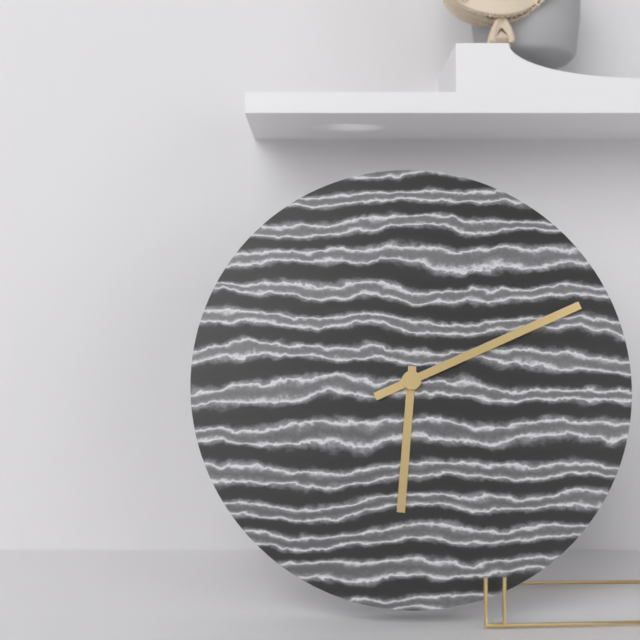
6:11
